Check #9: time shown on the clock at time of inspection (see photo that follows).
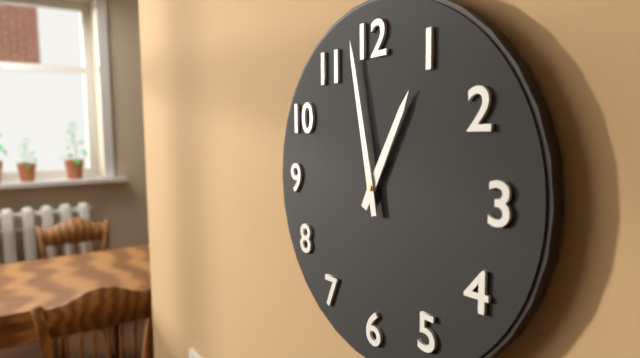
12:58
